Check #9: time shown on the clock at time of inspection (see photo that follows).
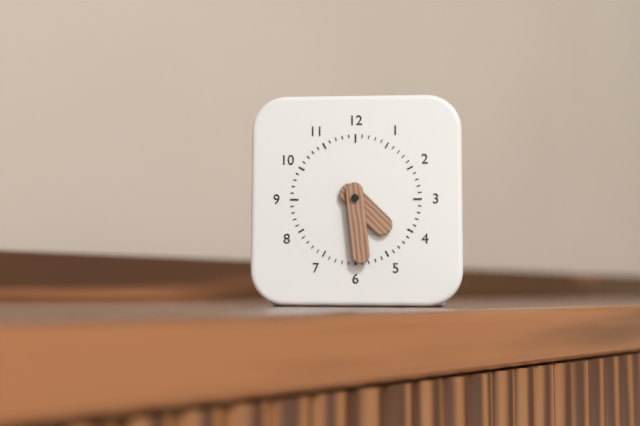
4:29
